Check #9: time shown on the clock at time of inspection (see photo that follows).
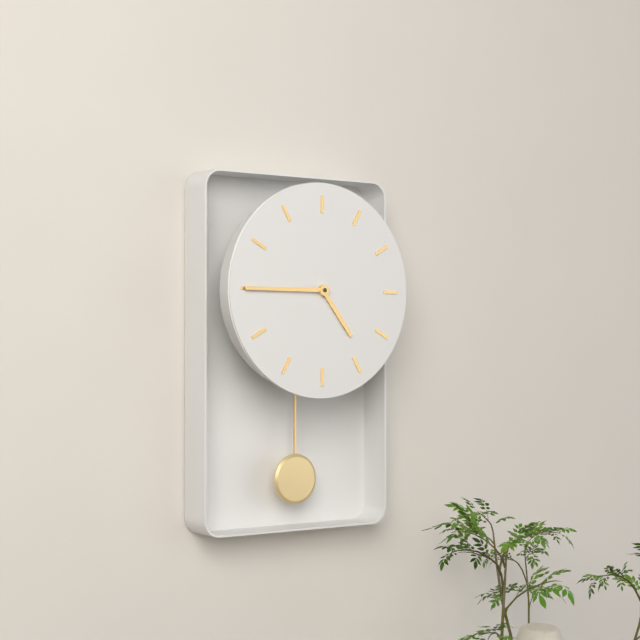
4:45
